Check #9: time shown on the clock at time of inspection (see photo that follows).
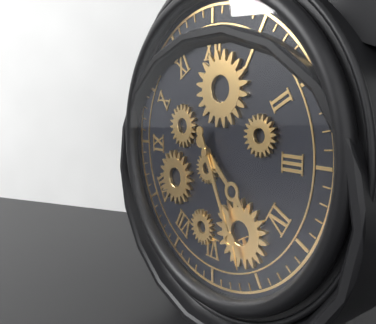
4:26
